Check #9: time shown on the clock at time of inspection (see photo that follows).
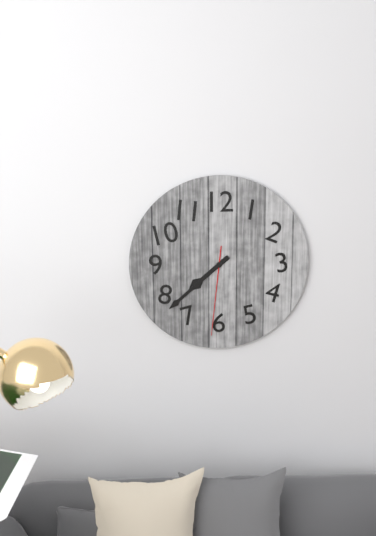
7:38:31
